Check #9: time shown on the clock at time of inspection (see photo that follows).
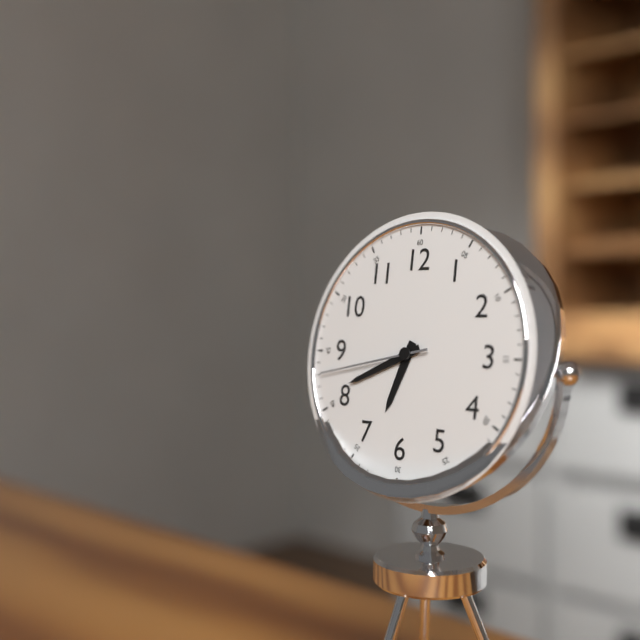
6:41:43
